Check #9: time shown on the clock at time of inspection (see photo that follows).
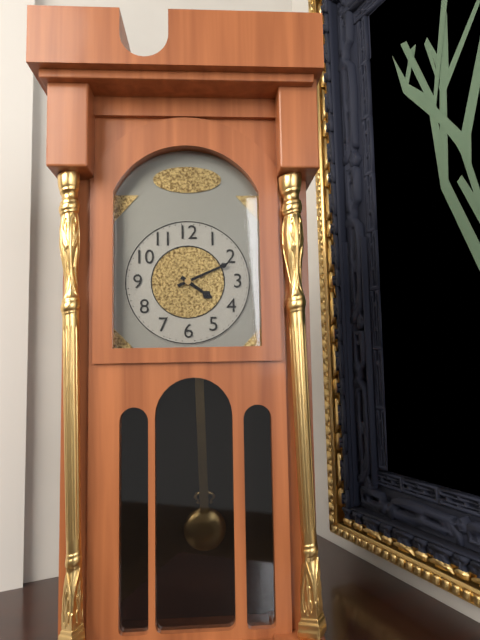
4:11
